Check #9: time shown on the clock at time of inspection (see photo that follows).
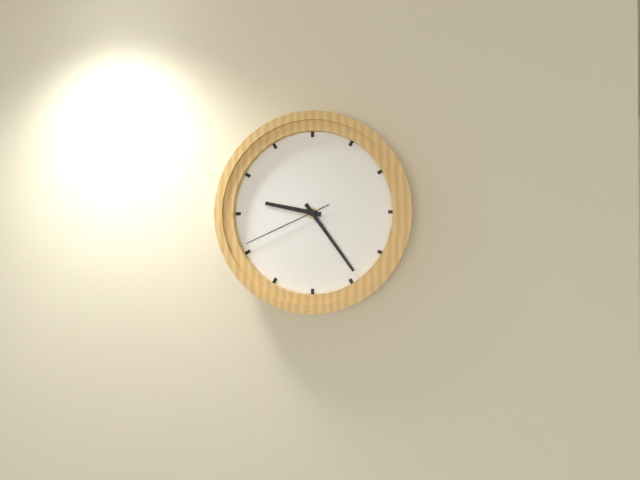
9:24:41
